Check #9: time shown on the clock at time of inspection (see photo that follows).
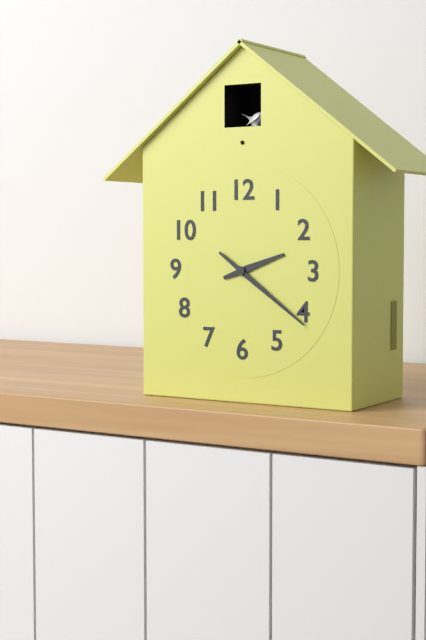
2:21
